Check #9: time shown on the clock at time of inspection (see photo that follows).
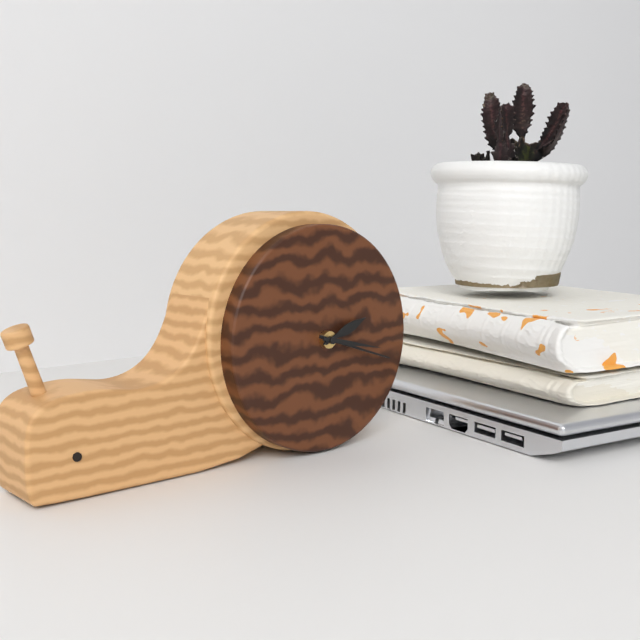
2:18:17
